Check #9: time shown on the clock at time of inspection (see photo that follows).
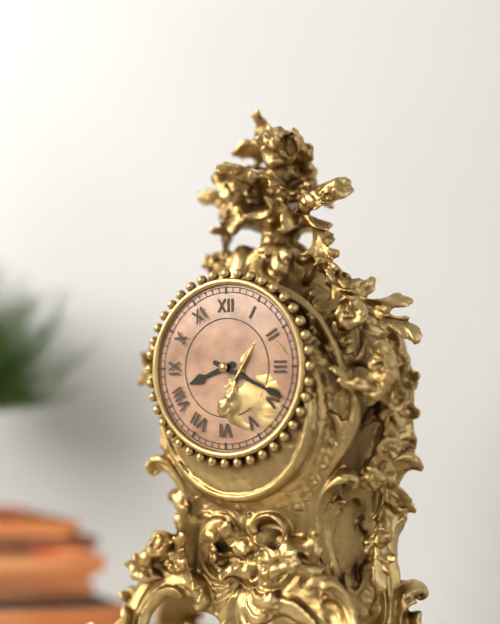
8:19
